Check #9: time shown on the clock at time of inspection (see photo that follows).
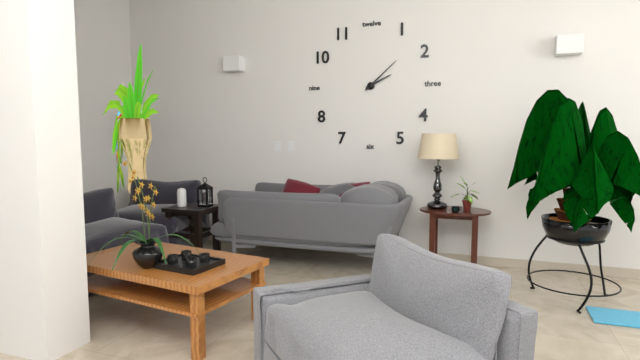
2:08
